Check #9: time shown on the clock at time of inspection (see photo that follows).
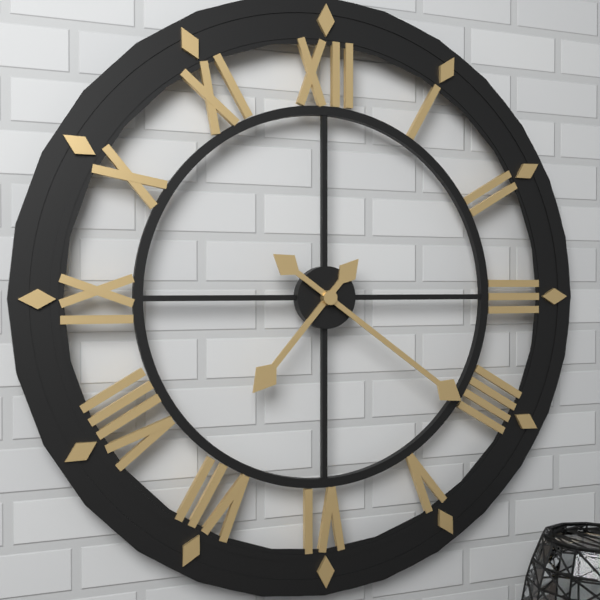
7:21
